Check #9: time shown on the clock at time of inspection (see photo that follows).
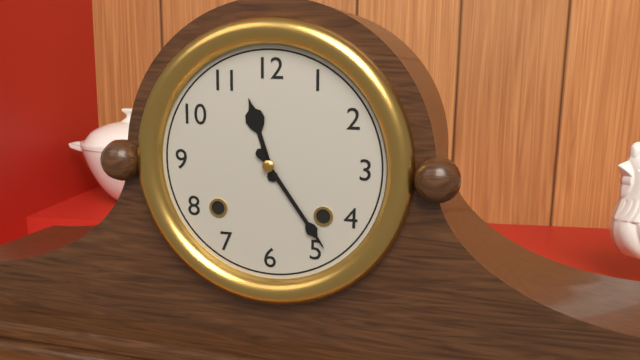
11:24
